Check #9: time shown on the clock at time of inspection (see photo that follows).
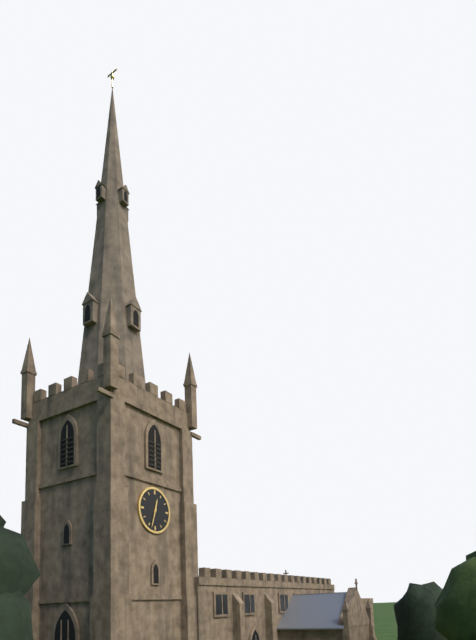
12:33
